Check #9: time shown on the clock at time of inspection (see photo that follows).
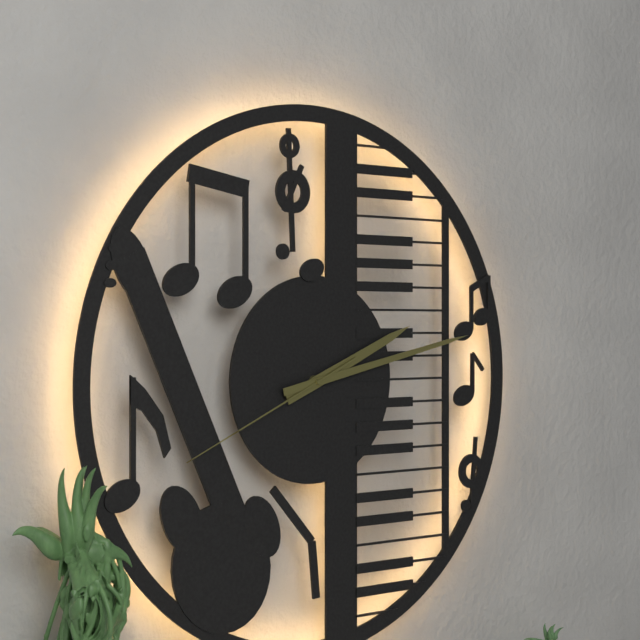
2:13:41
